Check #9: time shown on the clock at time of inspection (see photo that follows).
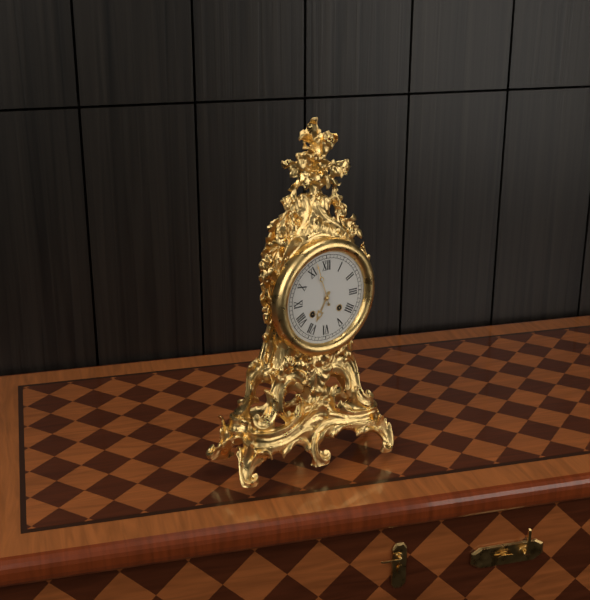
6:57
